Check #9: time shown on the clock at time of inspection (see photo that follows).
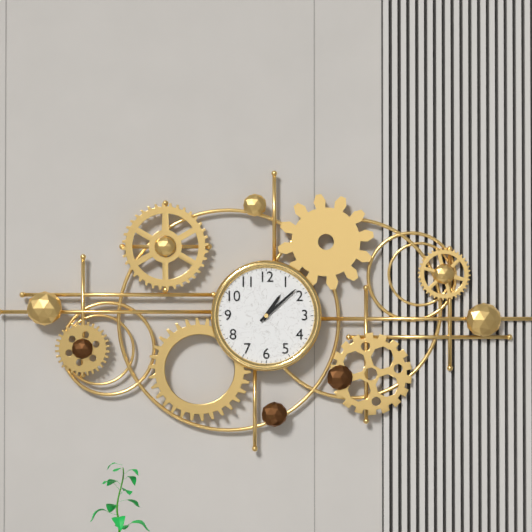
1:08
